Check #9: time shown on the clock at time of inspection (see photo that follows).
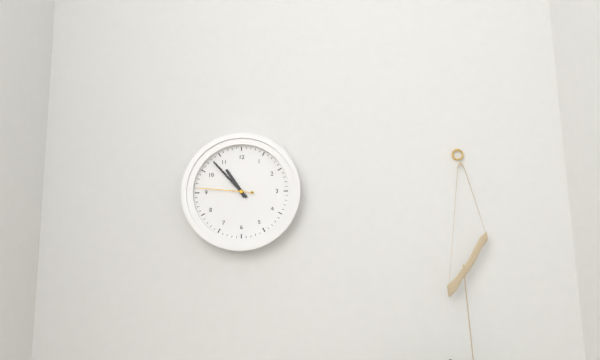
10:53:46
